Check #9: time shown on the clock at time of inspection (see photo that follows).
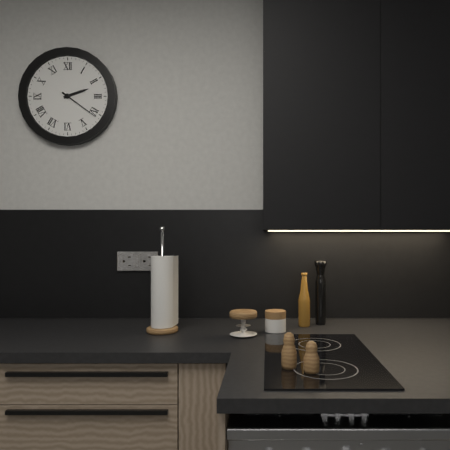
2:21
